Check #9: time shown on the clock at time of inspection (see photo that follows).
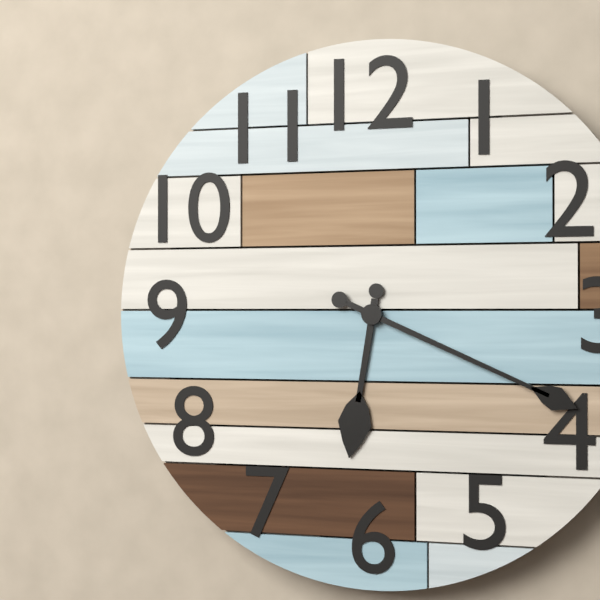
6:19
